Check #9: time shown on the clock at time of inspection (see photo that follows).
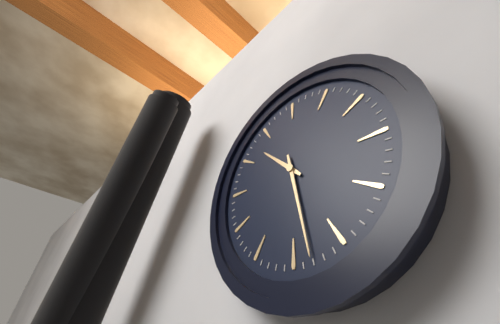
10:28
